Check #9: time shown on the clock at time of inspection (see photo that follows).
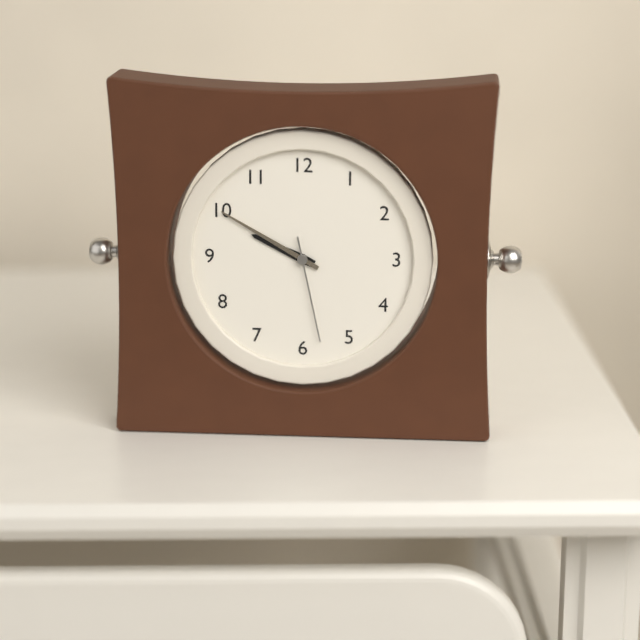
9:50:28
